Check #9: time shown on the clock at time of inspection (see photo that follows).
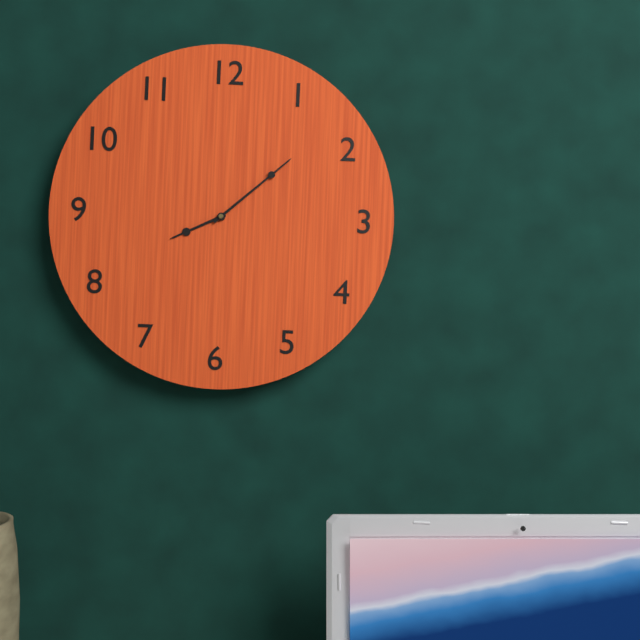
8:08
